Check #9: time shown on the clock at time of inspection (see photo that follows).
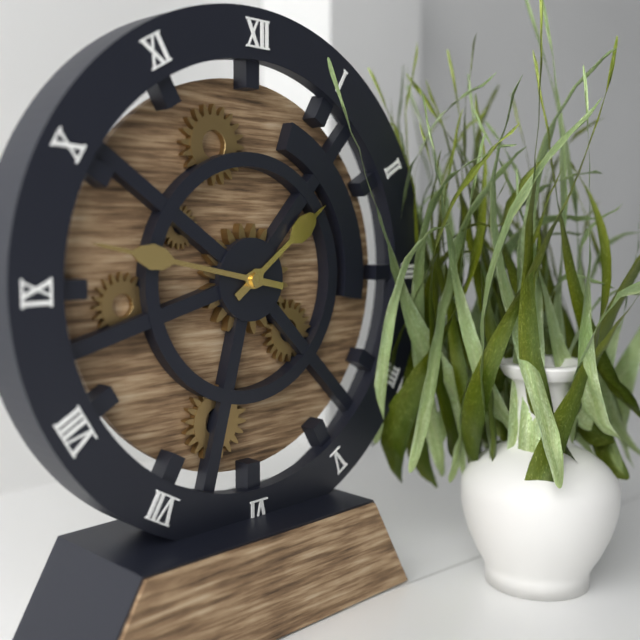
1:47
